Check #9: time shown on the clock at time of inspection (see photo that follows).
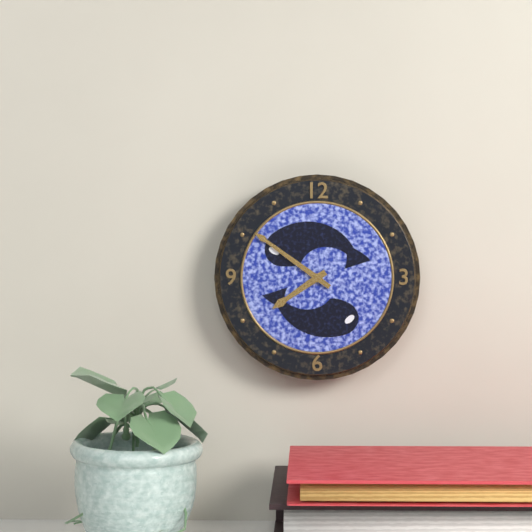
7:51
